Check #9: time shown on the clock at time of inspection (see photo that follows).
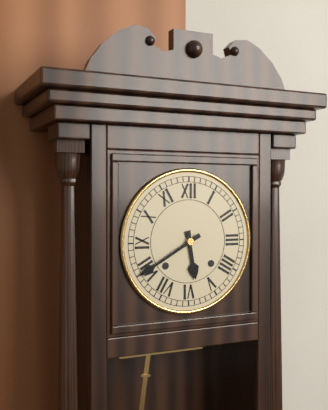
5:40
